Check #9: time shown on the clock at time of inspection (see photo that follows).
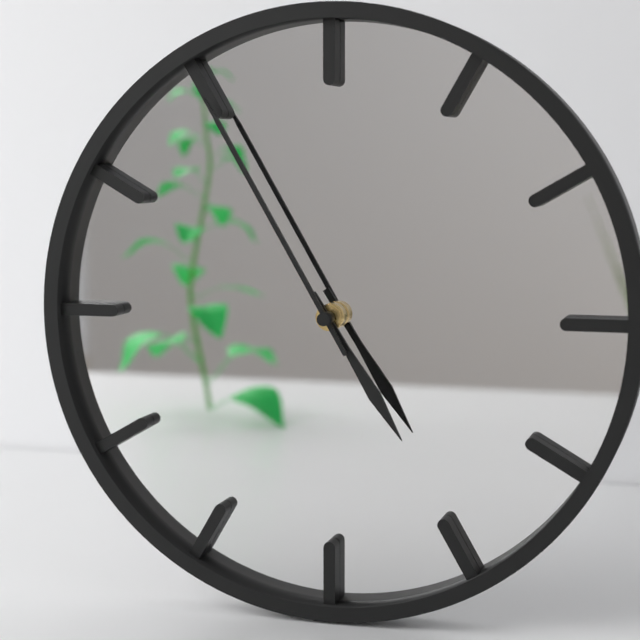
4:55
